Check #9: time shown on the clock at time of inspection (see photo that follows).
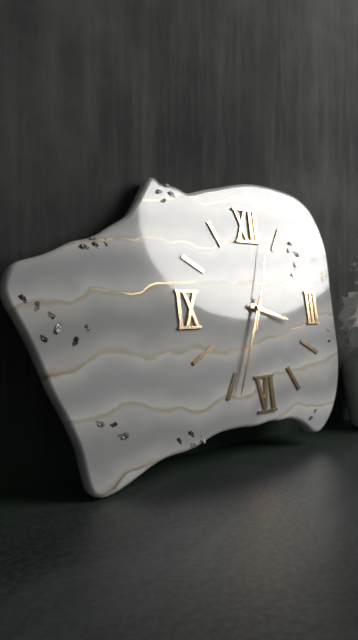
3:34:03
